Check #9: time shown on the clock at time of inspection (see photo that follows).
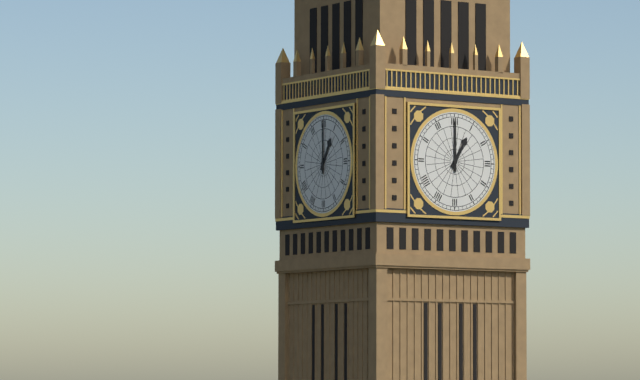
1:00
